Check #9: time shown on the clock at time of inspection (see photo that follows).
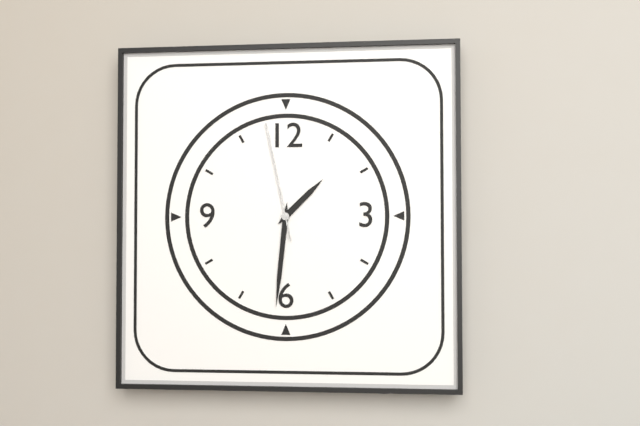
1:31:58
